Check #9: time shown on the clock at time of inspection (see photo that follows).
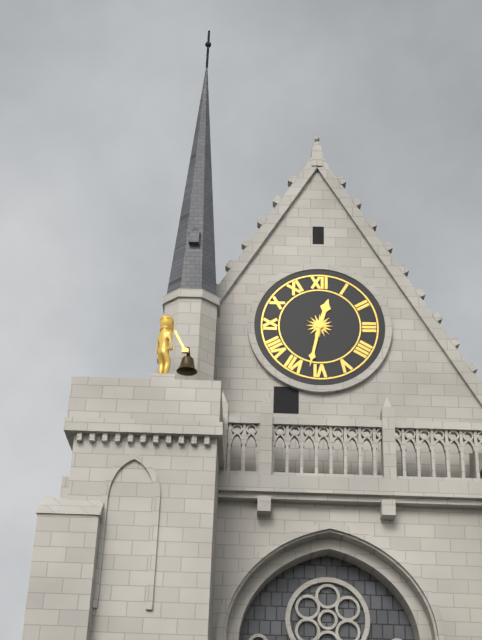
12:32
